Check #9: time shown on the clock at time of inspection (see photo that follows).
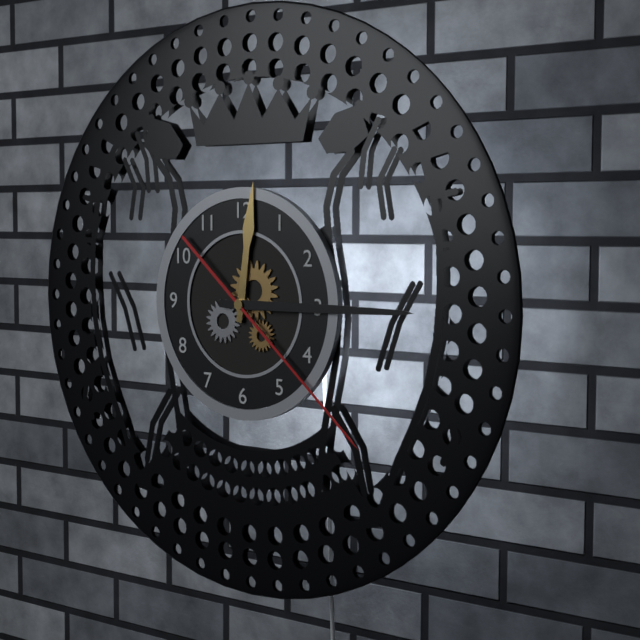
12:15:22
